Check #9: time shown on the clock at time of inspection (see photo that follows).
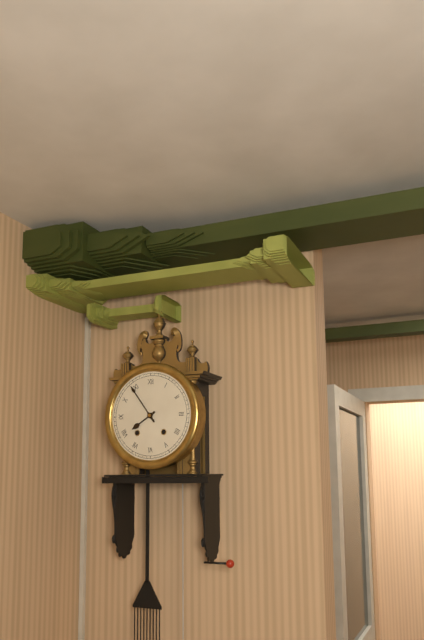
7:54
